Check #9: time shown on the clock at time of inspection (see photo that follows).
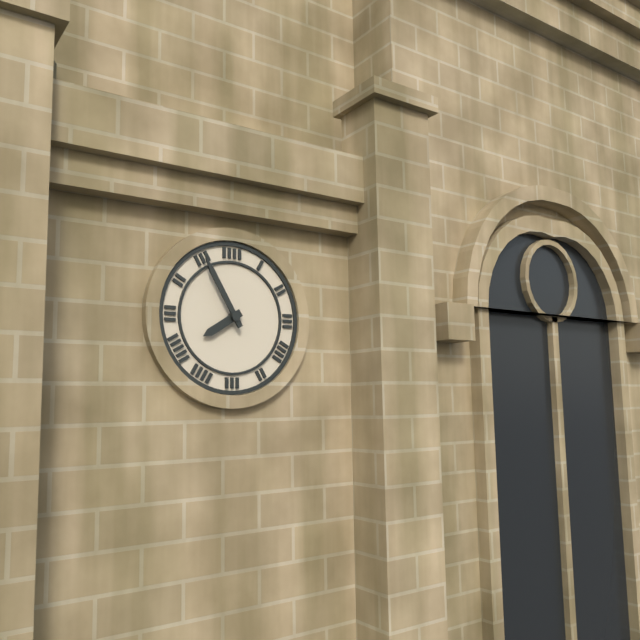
7:55
